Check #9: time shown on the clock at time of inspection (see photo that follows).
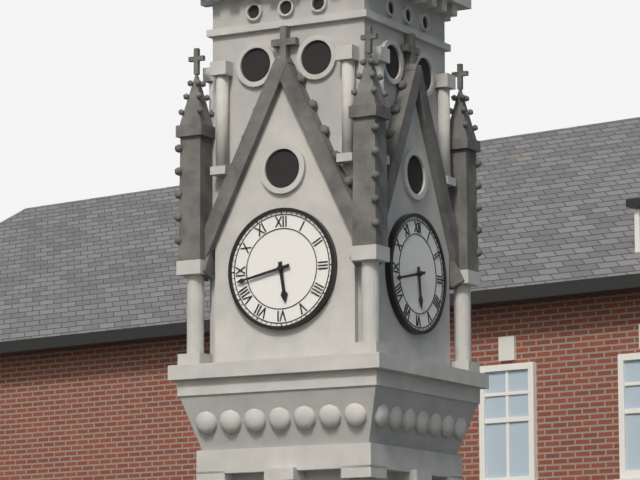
5:43
